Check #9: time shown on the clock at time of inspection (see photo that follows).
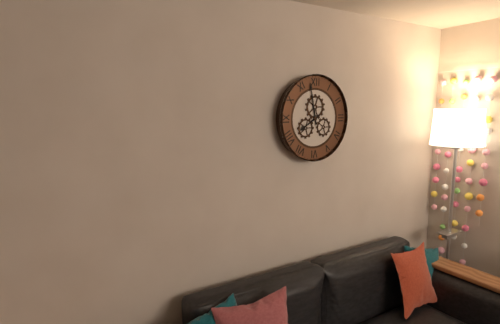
7:58
